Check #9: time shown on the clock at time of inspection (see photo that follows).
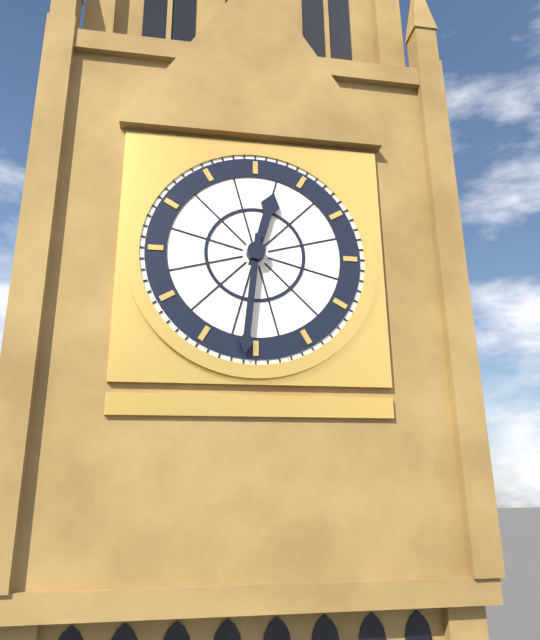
12:31
